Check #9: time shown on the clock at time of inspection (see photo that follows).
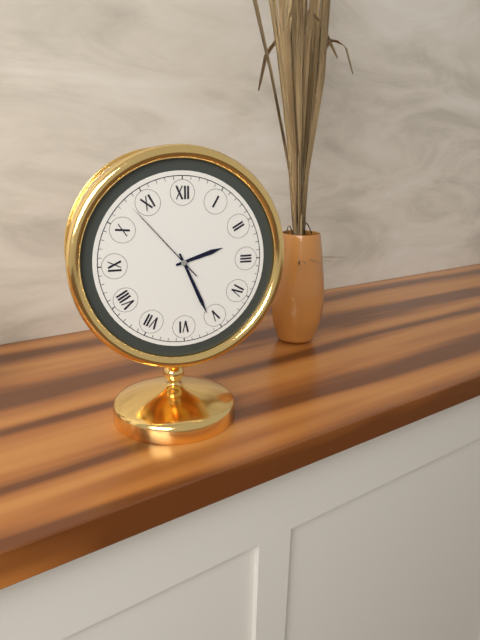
2:26:53
